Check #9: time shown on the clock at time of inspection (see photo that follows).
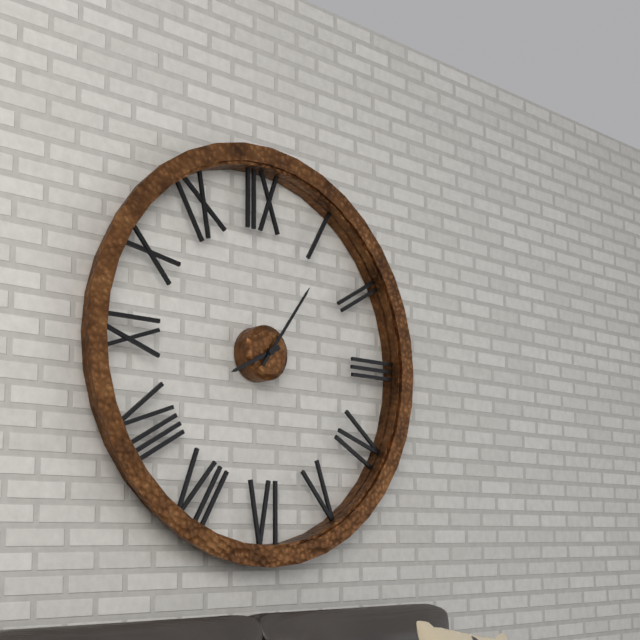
8:06
